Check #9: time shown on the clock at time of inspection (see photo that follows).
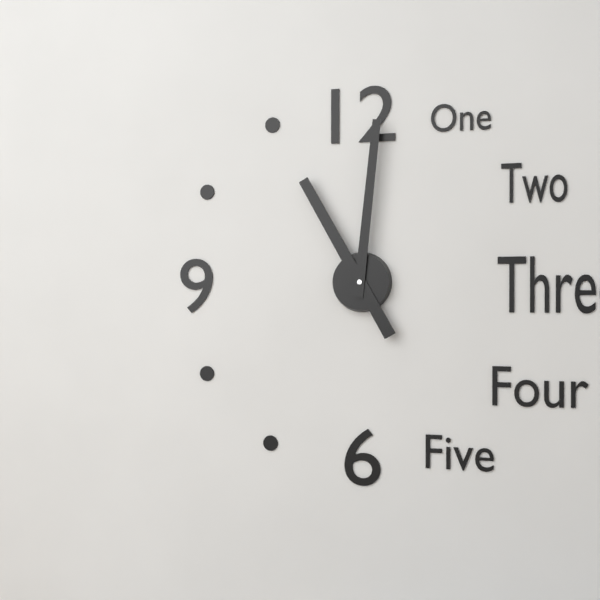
11:01
